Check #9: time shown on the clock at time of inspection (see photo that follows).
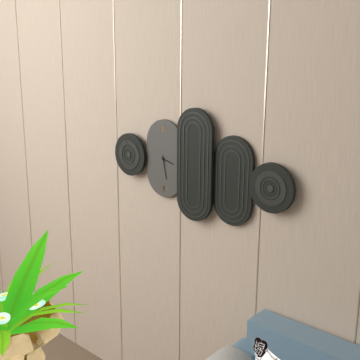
3:28
